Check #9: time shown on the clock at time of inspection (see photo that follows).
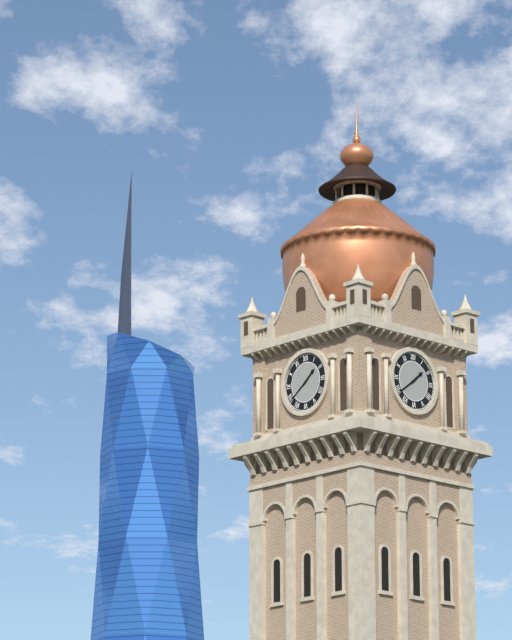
1:39
